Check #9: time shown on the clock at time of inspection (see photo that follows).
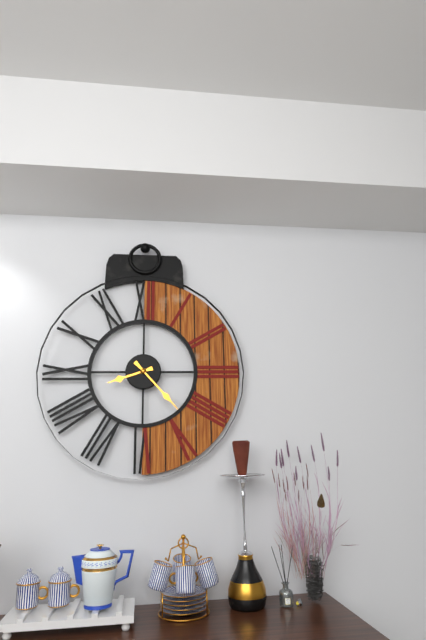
8:23
